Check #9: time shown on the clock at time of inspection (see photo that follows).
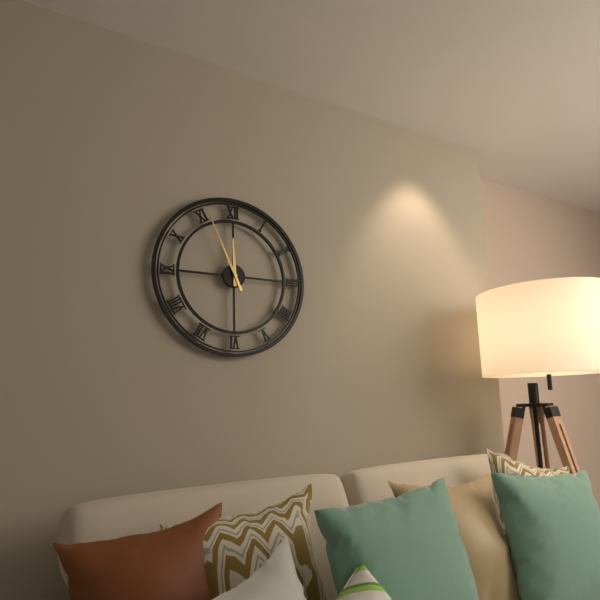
11:56
